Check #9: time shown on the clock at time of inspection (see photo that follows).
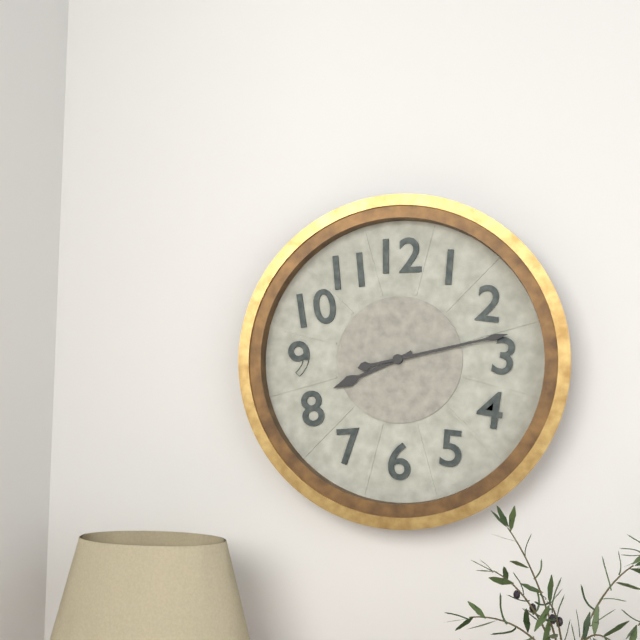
8:13
